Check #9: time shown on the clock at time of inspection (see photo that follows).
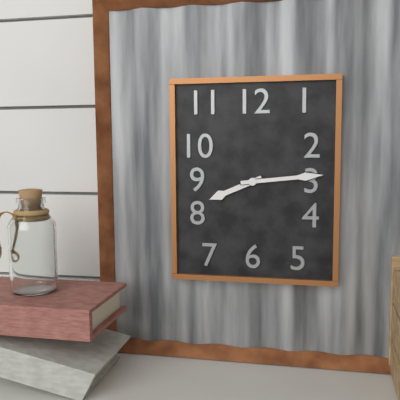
8:14
